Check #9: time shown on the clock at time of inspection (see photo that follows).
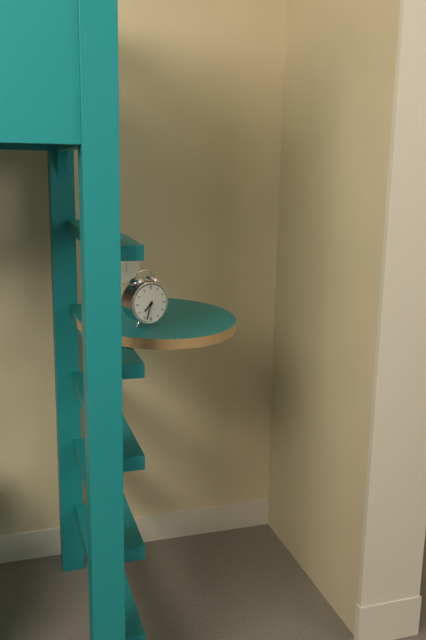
7:33
